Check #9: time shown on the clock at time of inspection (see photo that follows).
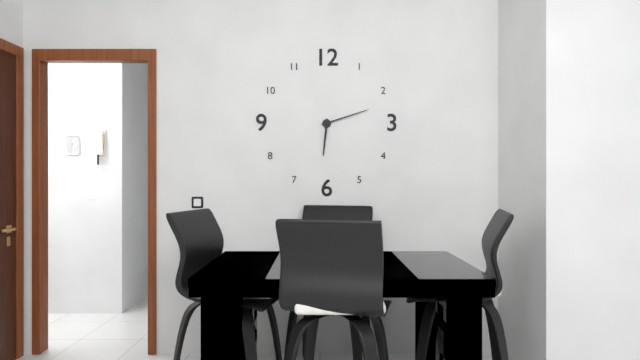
6:12
